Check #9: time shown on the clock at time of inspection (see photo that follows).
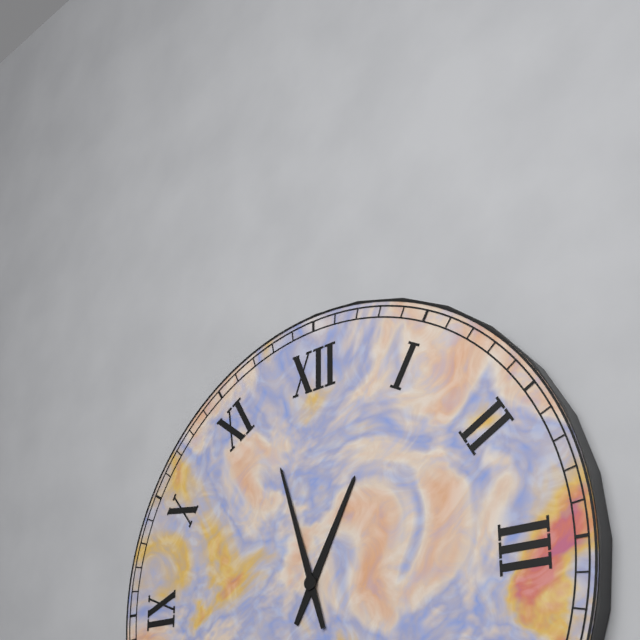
12:57
